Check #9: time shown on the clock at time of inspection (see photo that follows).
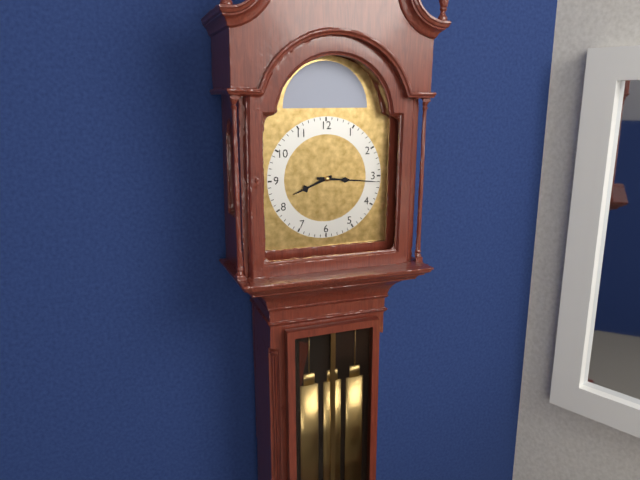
8:16
